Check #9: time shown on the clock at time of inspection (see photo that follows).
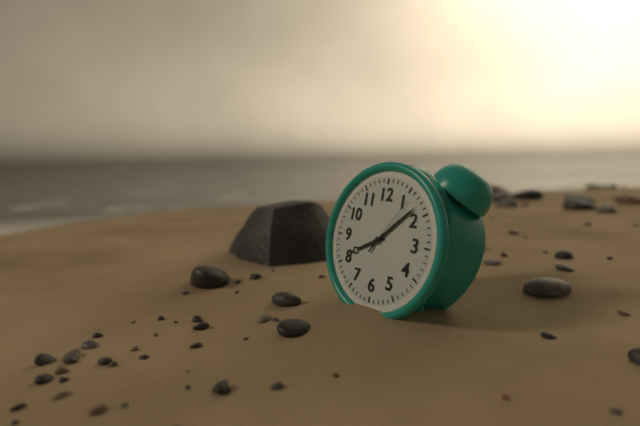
8:08:06
